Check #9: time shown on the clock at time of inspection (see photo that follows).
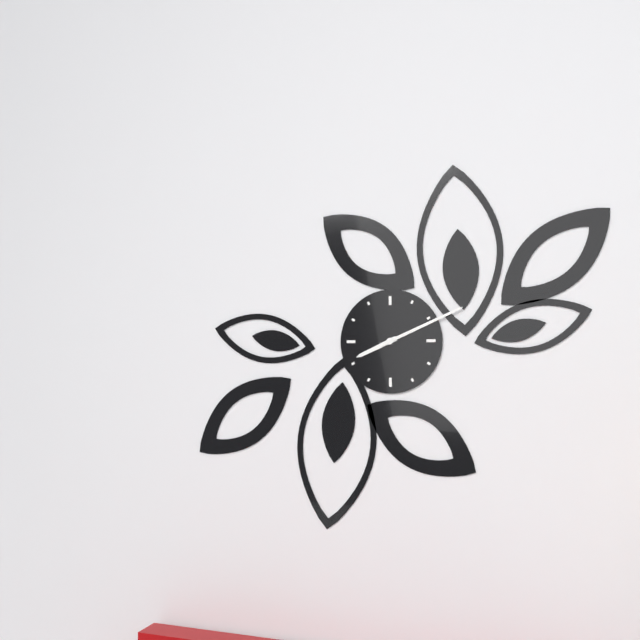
8:11
